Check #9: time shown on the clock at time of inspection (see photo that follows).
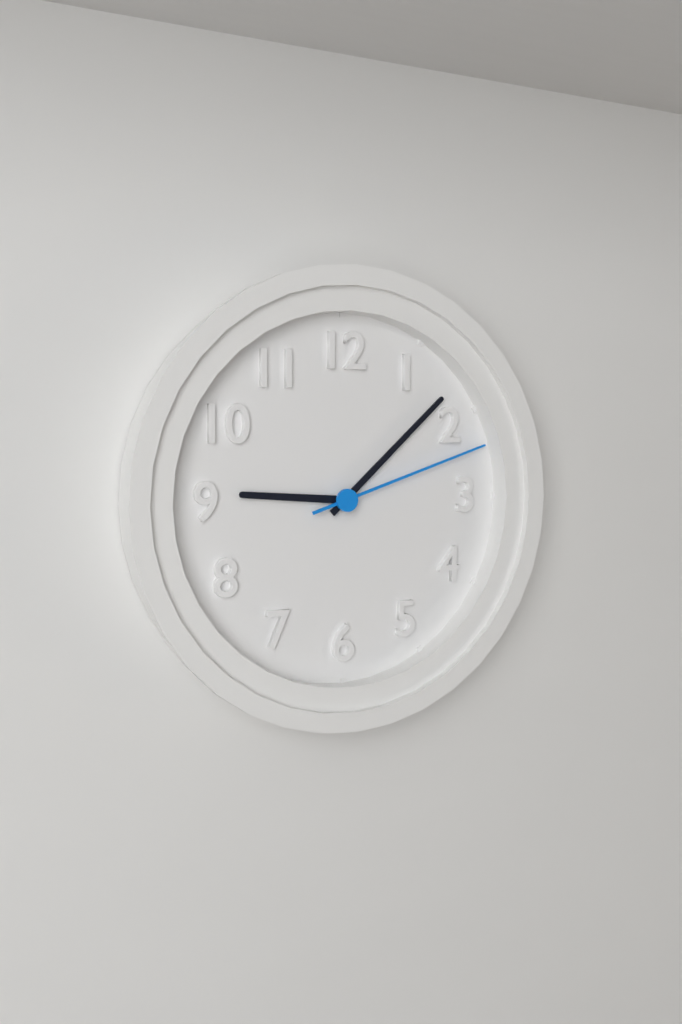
9:08:12
